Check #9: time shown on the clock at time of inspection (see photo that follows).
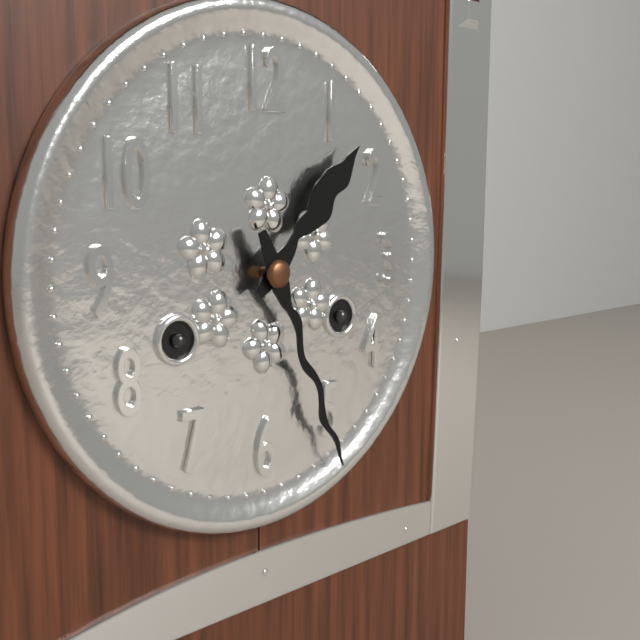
1:26
